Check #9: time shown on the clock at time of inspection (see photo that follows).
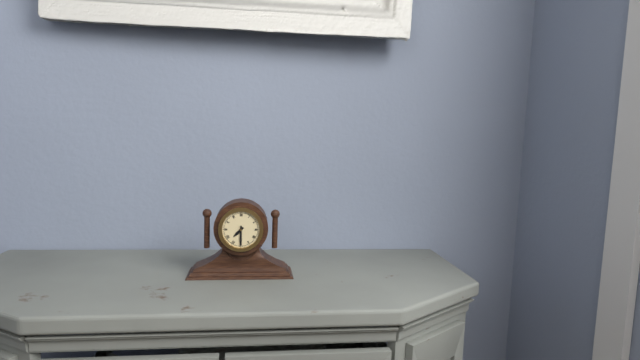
7:30
